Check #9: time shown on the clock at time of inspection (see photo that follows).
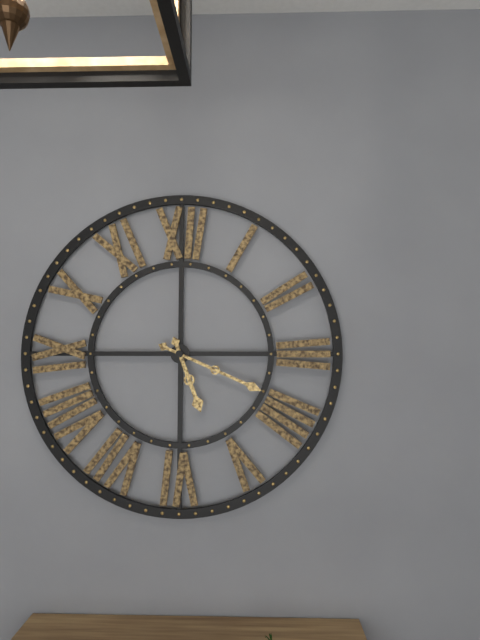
5:19
